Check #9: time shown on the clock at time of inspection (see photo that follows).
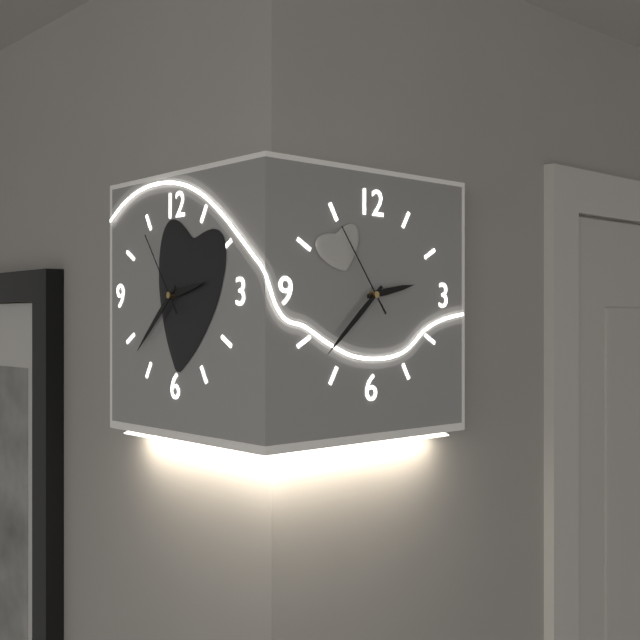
2:38:54
